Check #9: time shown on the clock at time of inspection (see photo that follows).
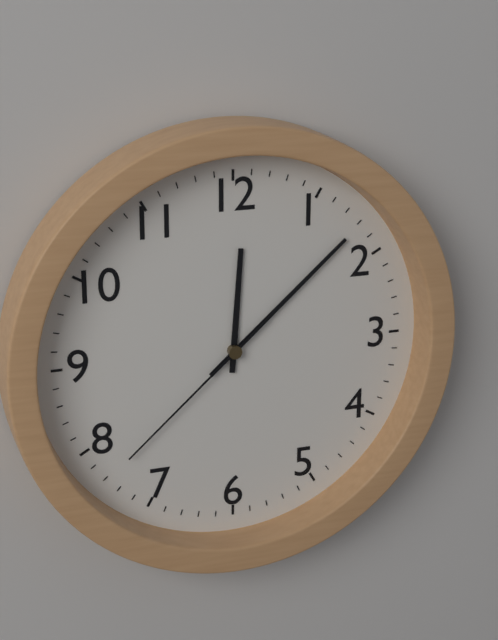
12:08:38
